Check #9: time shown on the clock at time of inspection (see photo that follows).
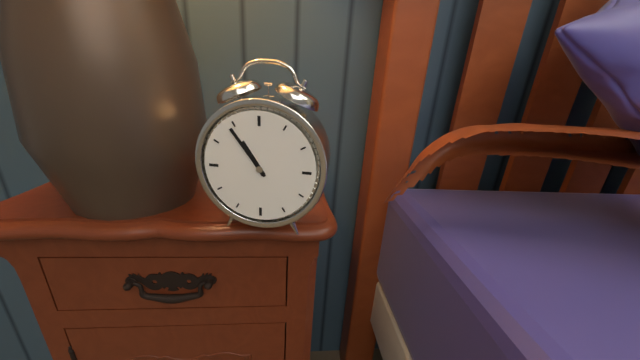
10:54
